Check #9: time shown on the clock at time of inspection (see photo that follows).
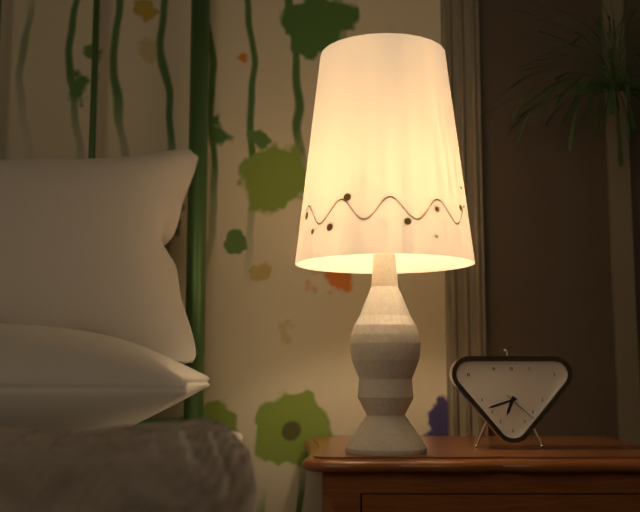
6:42
